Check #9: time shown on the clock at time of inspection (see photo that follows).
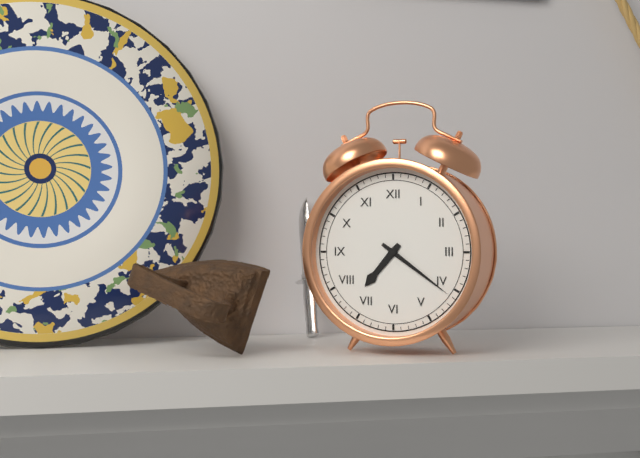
7:21
